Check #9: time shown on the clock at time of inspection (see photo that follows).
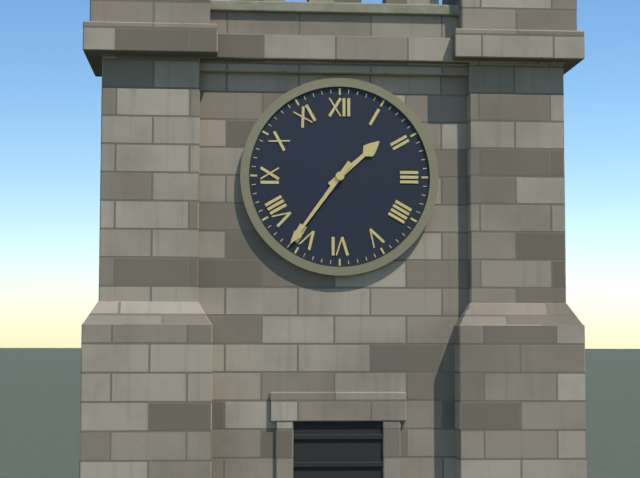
1:36
